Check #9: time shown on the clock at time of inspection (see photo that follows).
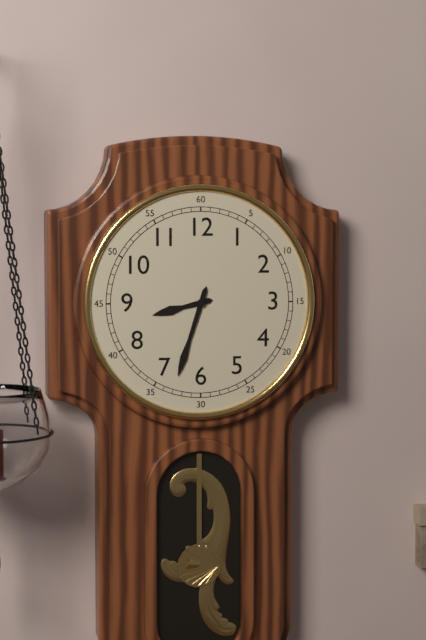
8:33
